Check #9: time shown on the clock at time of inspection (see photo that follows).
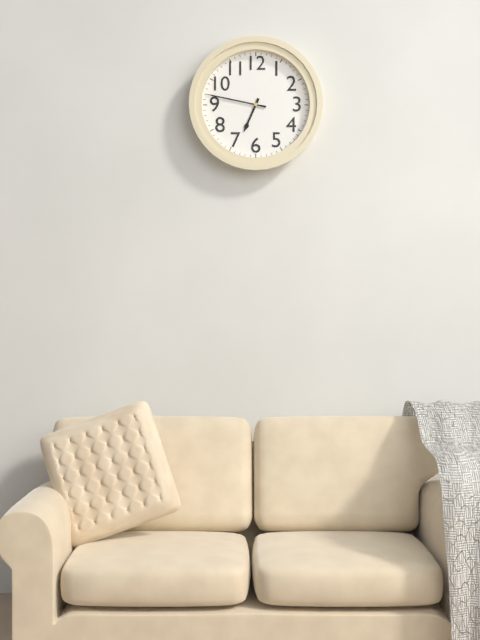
6:47
